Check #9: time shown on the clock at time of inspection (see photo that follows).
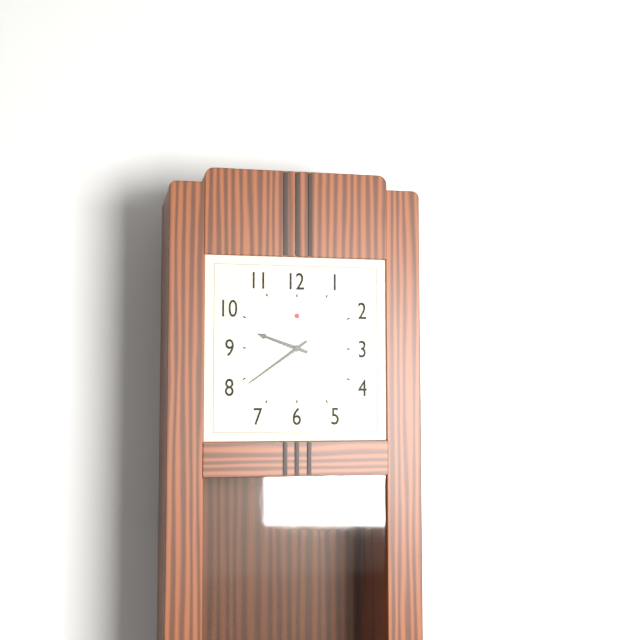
9:39
